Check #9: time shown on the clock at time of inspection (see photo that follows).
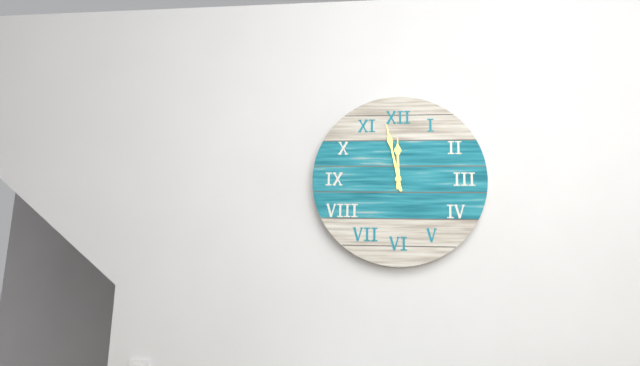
11:58
